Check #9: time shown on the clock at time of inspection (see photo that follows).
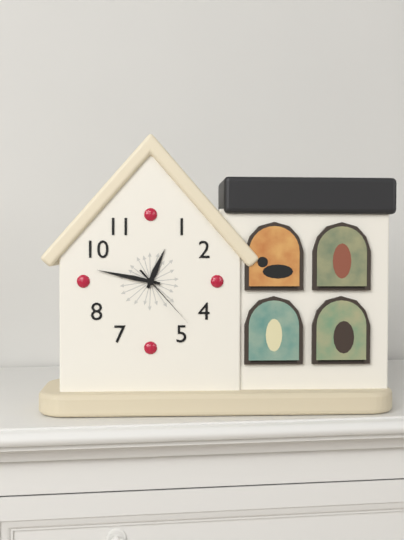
12:47:23
